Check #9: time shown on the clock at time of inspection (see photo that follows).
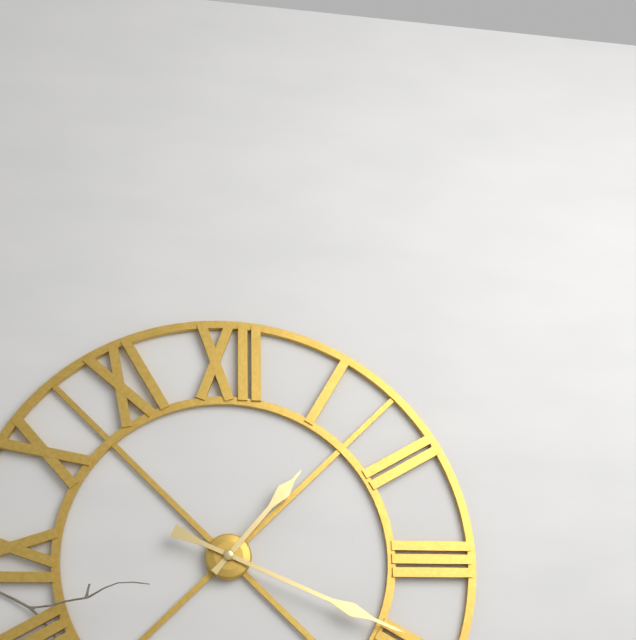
1:19
